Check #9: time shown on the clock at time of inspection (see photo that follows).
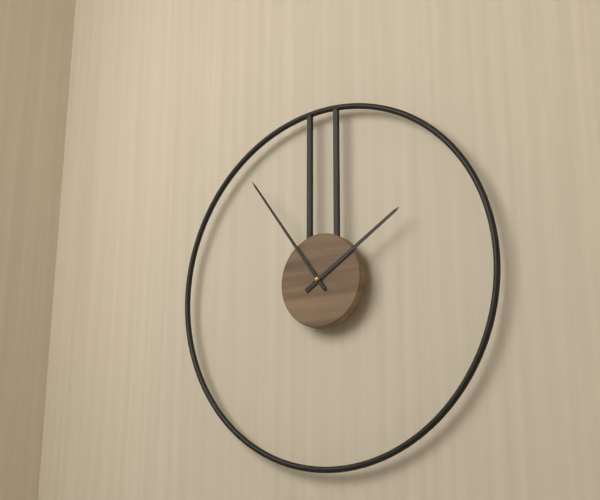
1:54
